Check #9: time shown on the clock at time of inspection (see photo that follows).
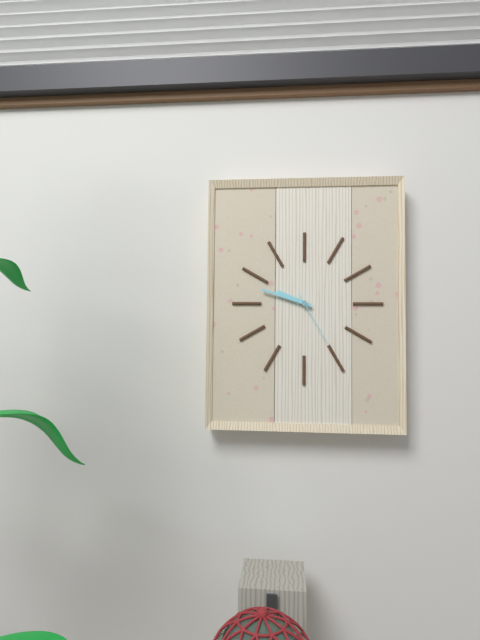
9:48:25
